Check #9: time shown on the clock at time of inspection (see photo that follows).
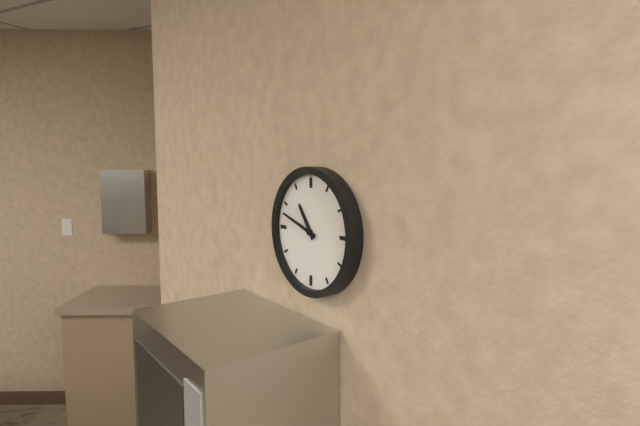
10:48
